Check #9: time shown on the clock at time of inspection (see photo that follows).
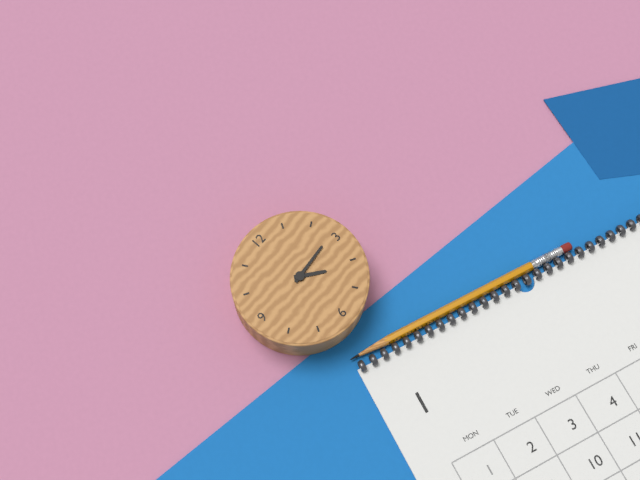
4:14
